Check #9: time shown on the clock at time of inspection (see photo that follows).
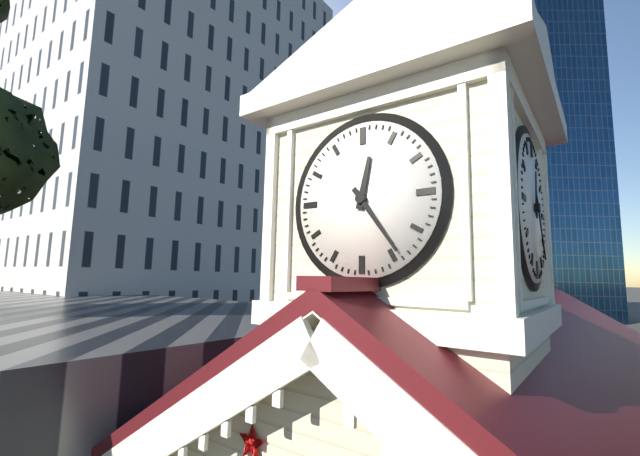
12:24
